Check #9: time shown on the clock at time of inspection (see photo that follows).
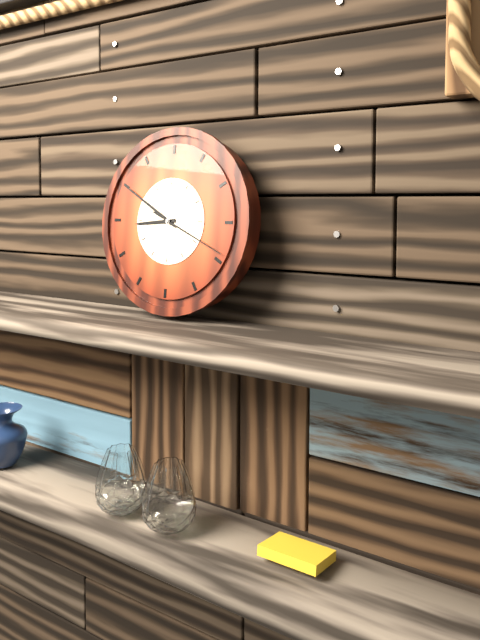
8:50:19
